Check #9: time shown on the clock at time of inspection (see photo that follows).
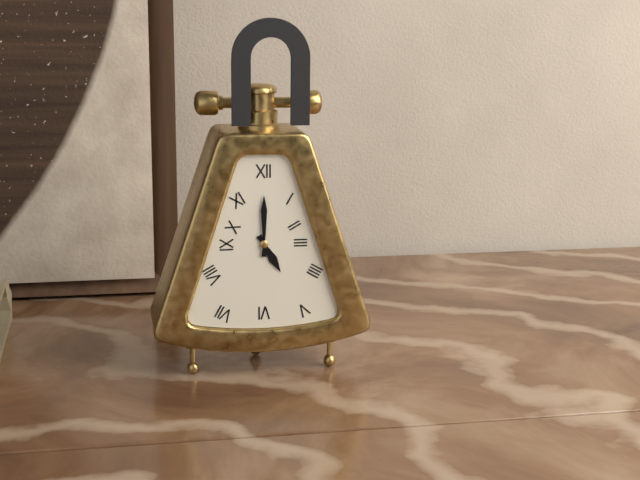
5:00
